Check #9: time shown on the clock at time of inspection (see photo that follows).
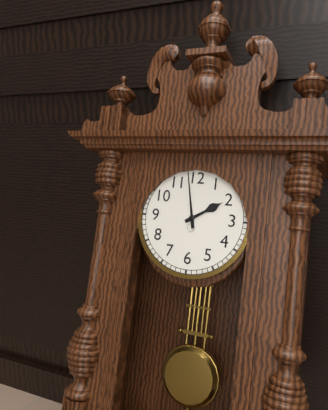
1:58
